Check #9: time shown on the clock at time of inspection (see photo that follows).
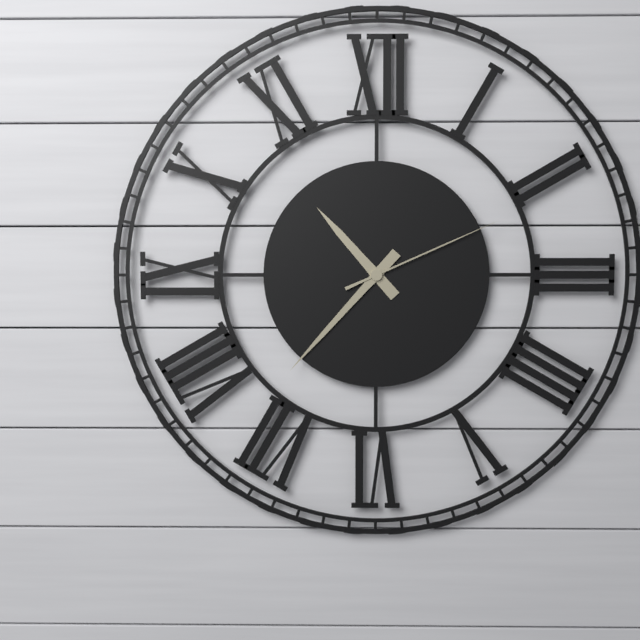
10:37:11
